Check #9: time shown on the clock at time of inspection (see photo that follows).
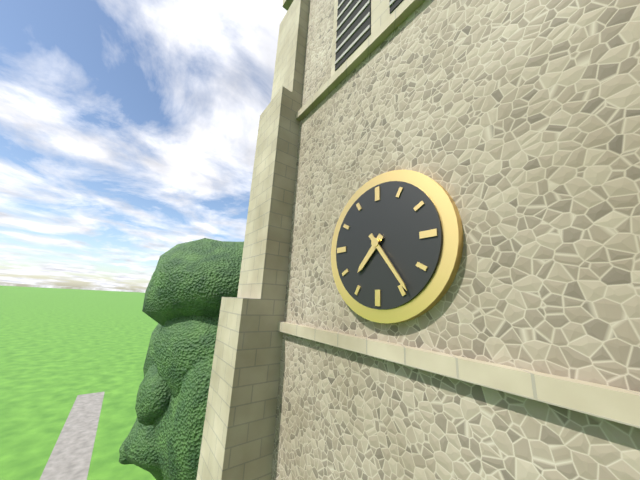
7:24
